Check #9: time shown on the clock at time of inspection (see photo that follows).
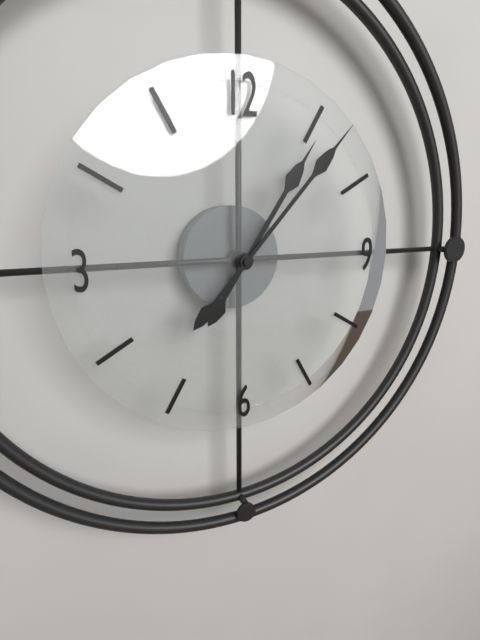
1:07
